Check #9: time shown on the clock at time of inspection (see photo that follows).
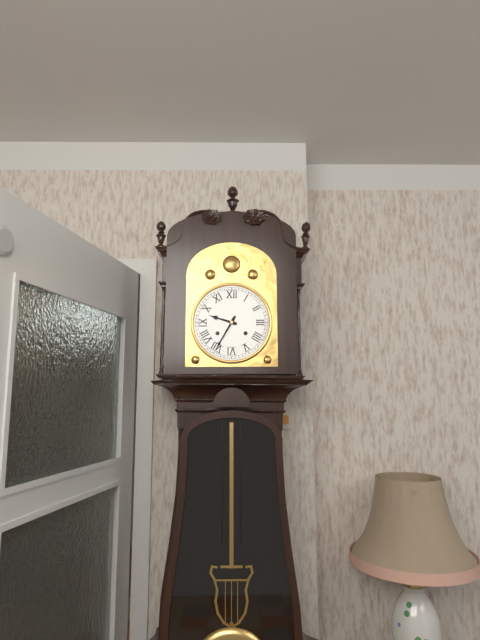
9:35
